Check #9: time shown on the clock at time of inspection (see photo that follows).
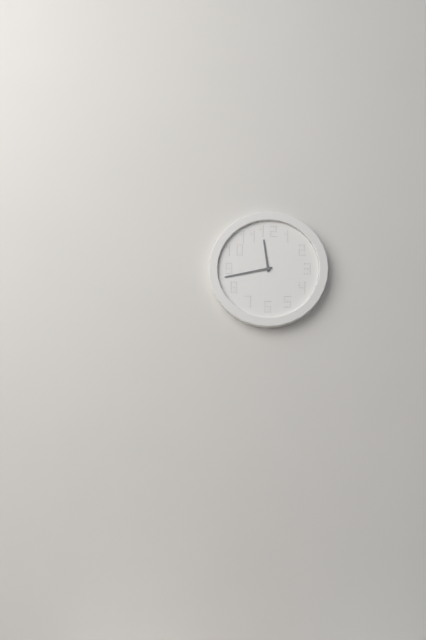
11:43
